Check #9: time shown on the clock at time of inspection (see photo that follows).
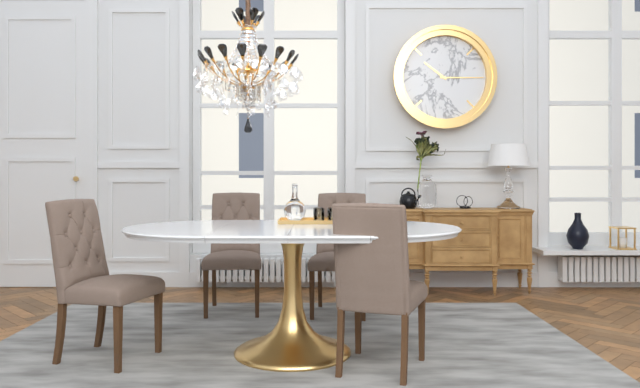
10:15
